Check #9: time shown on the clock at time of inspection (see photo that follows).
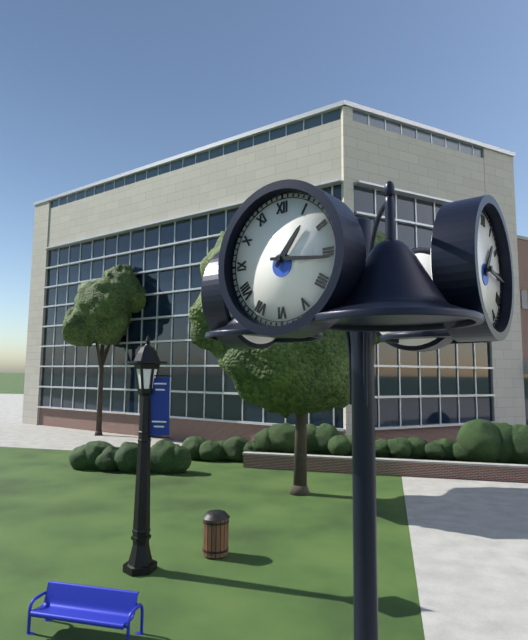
1:16
